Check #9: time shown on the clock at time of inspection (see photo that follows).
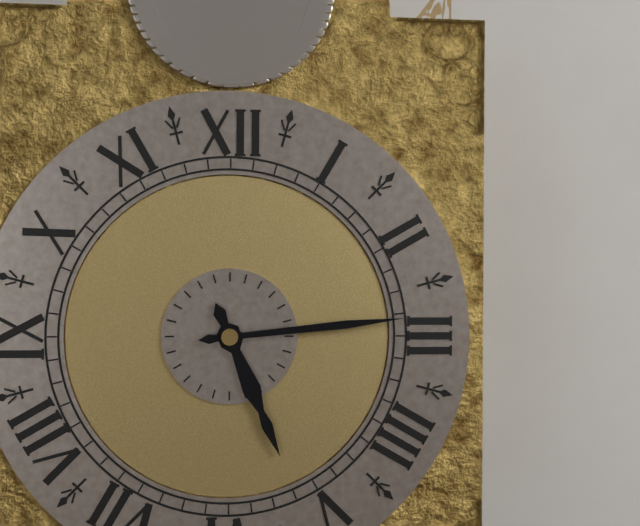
5:14
